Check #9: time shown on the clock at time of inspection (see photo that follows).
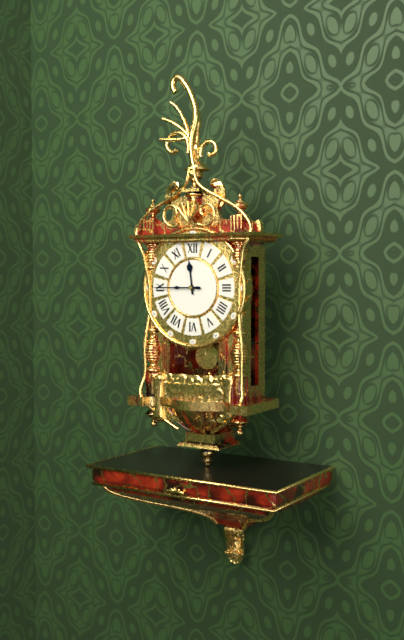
11:45
